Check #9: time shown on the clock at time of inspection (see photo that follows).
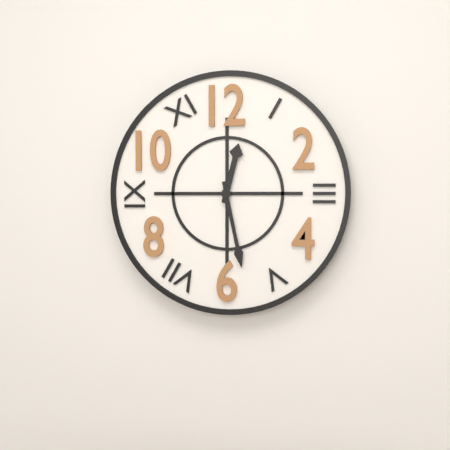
12:28
